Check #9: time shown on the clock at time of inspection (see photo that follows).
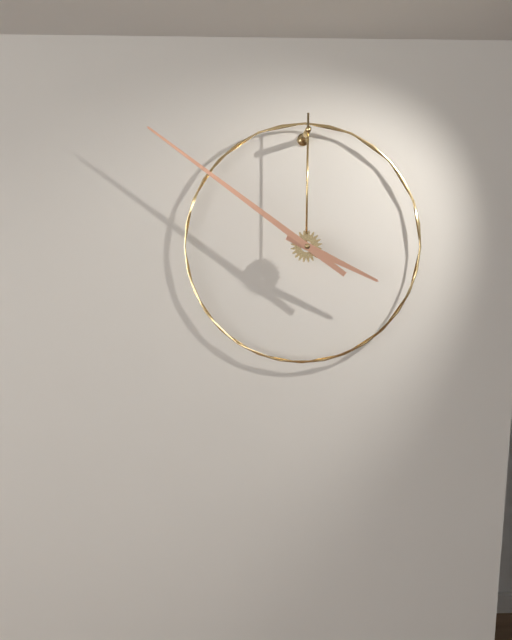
3:51
